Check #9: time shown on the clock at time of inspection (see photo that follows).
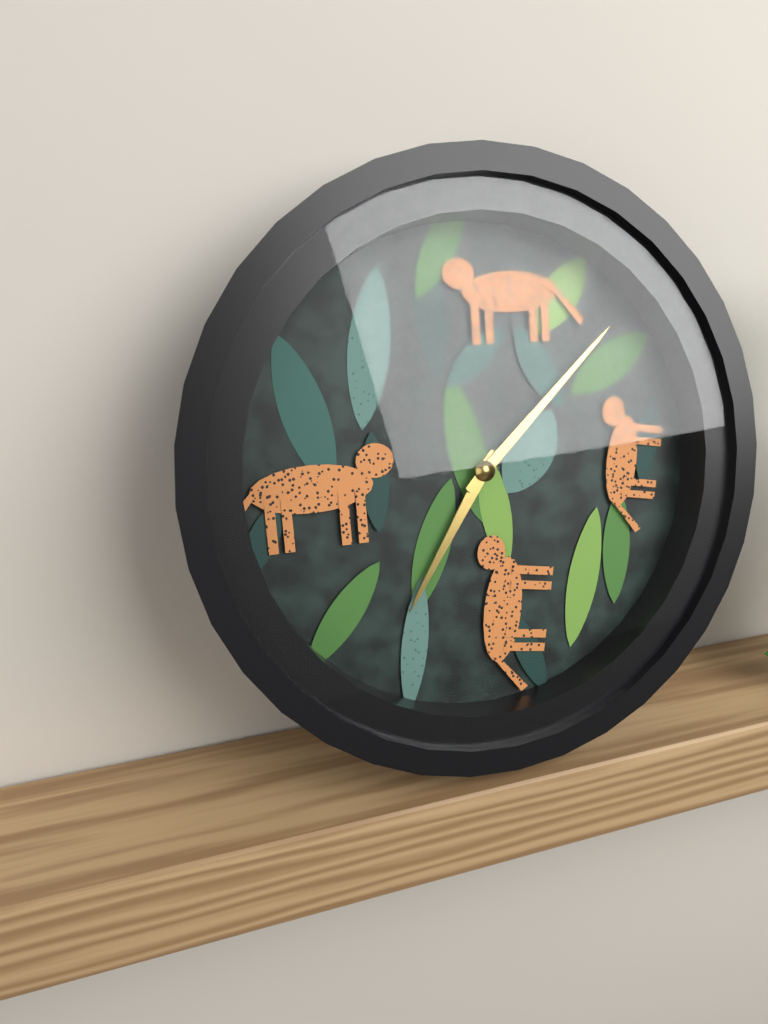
7:08
